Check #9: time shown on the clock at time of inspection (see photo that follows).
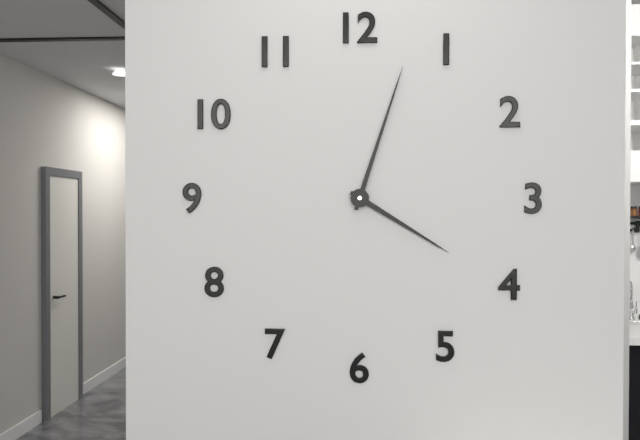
4:03
